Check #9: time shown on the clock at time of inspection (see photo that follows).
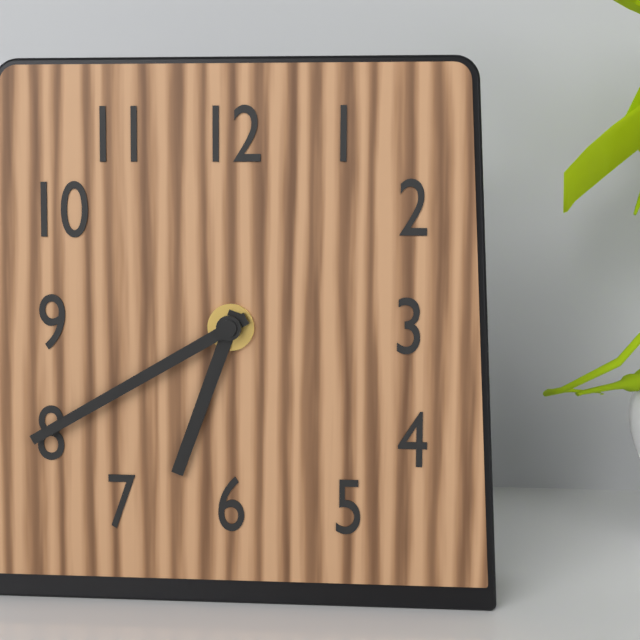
6:40
